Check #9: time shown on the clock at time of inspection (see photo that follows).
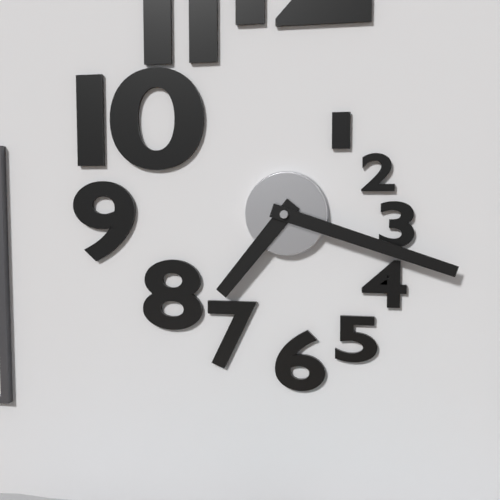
7:18
